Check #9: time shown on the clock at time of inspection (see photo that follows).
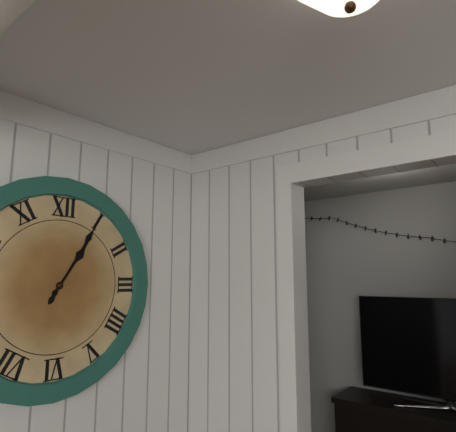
1:05
